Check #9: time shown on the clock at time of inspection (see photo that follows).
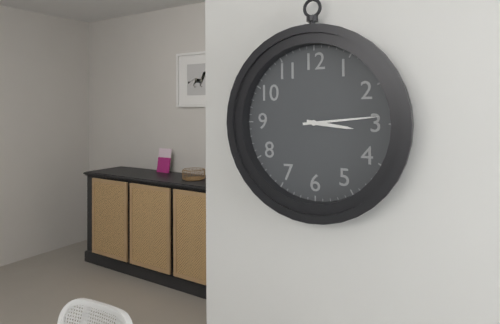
3:14
